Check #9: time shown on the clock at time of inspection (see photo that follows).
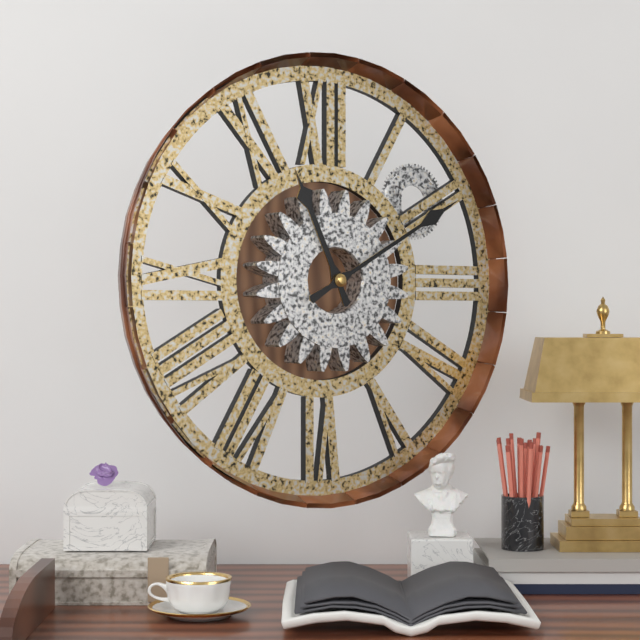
11:10
